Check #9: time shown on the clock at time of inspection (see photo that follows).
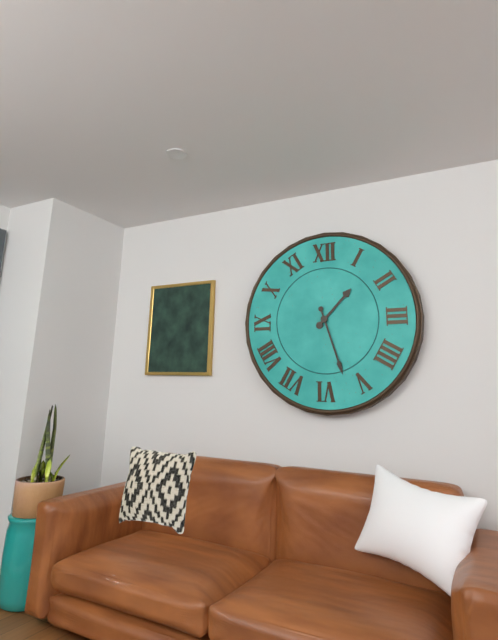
1:27
